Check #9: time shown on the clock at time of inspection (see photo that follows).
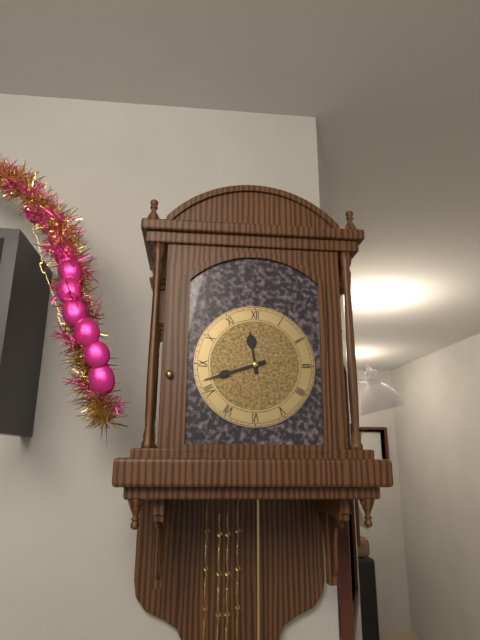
11:42
